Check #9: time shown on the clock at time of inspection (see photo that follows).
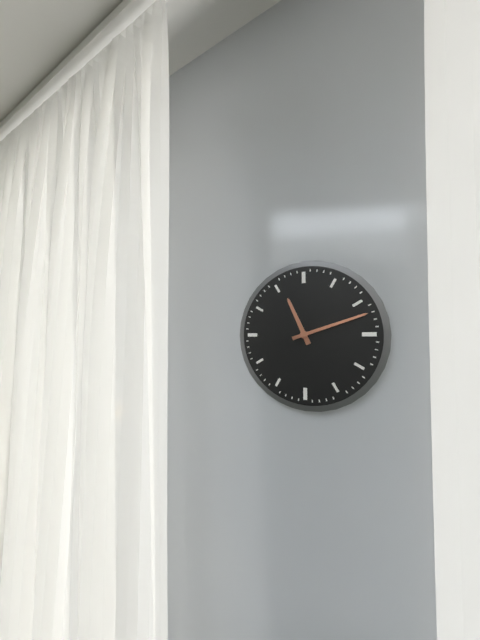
11:12
